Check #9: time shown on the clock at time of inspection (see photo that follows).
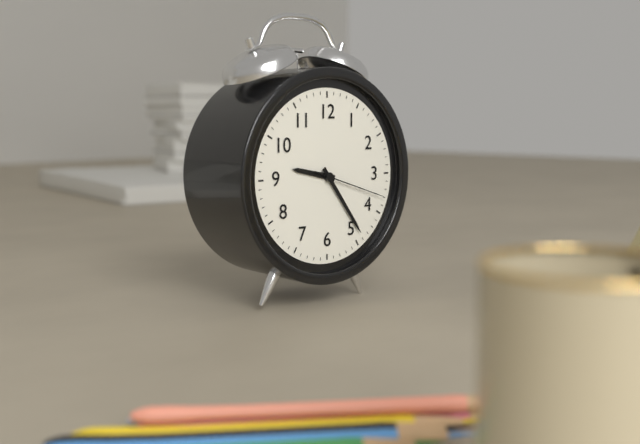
9:24:18
